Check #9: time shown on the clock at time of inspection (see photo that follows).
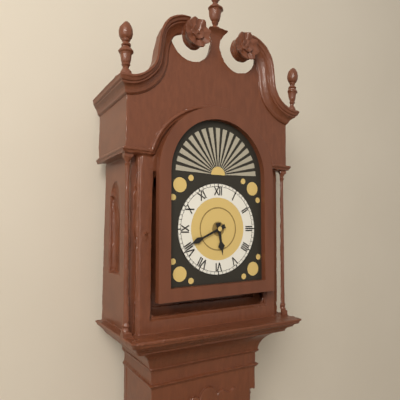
5:41
